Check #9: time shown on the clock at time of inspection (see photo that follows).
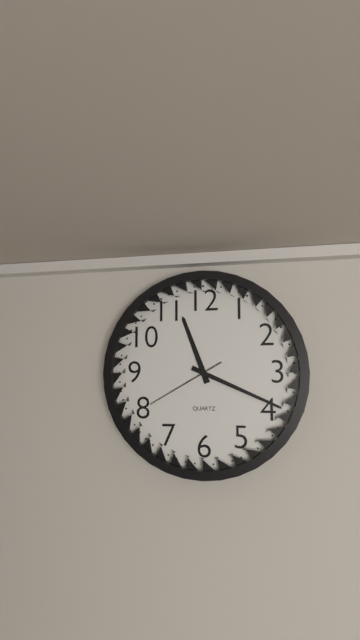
11:19:40
